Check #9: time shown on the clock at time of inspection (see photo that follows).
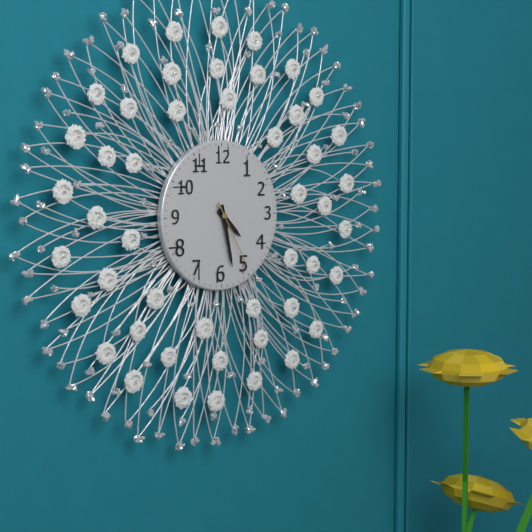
4:28:25
